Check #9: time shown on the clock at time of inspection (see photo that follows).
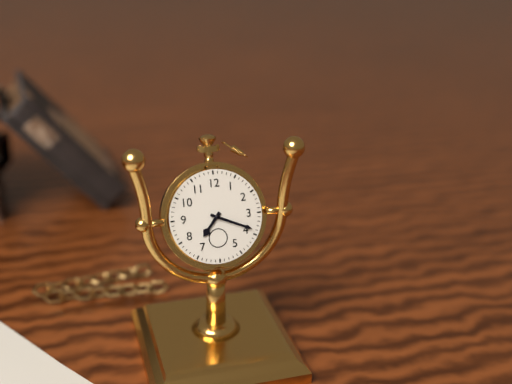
7:19
